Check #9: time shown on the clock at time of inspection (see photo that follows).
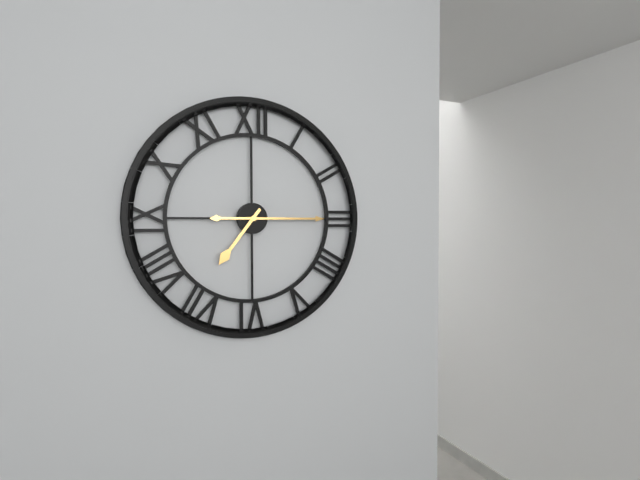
7:15
